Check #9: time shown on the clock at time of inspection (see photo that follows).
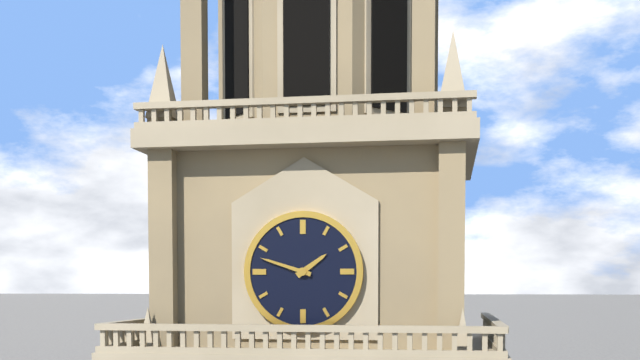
1:48
